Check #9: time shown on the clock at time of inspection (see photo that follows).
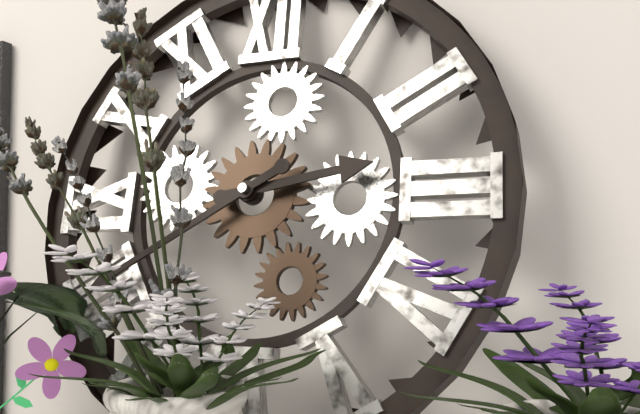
2:40
